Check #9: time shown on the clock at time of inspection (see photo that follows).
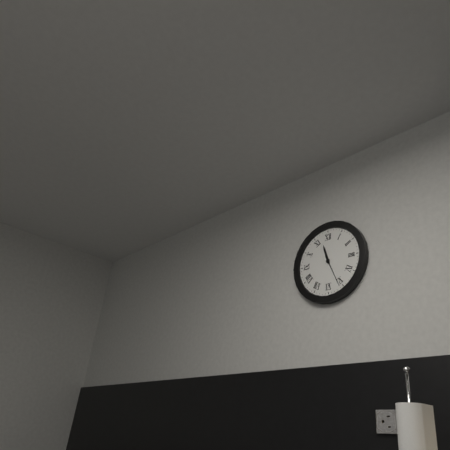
11:26
